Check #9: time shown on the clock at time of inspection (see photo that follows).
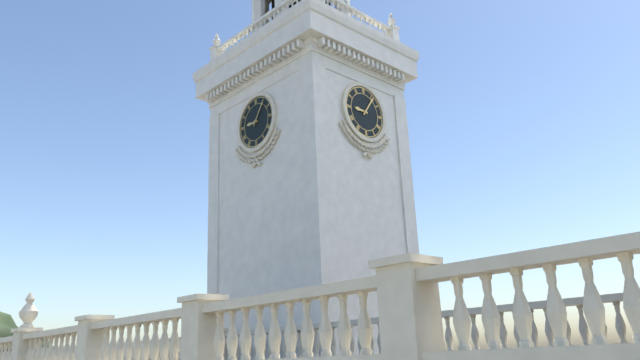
9:06
